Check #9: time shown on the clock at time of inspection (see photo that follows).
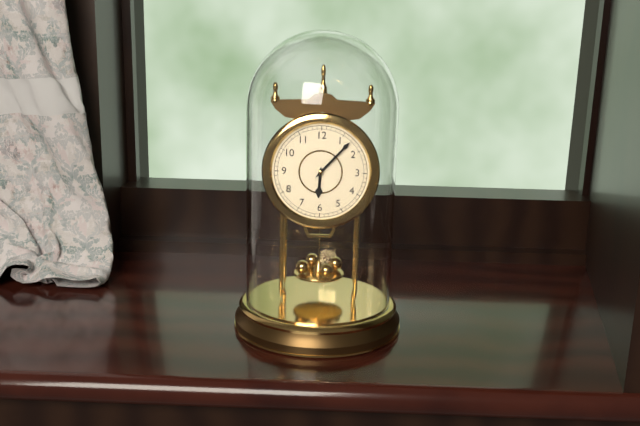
6:07
